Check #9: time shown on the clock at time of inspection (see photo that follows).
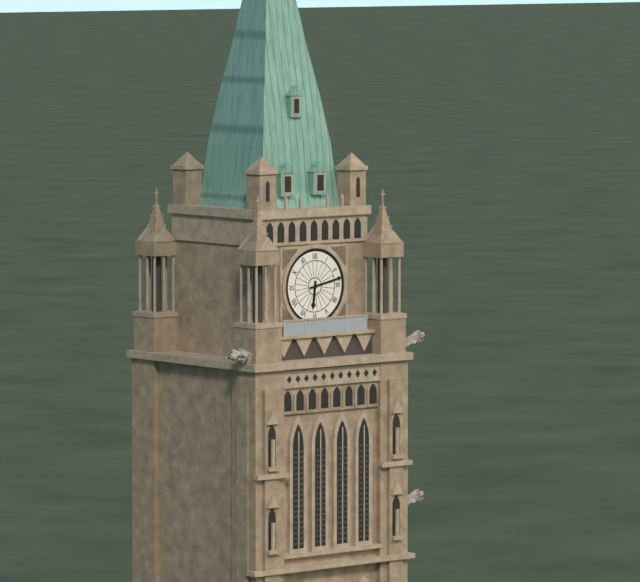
6:13
